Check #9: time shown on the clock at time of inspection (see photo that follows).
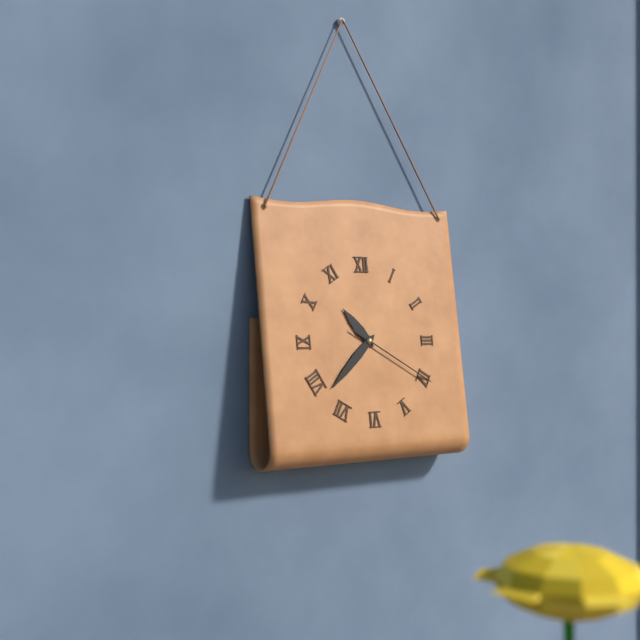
10:38:20
